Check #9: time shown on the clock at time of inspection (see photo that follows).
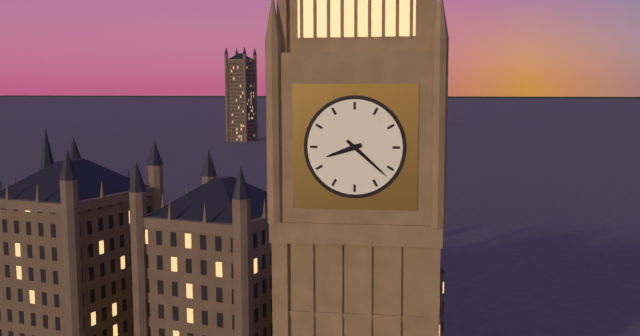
8:22
